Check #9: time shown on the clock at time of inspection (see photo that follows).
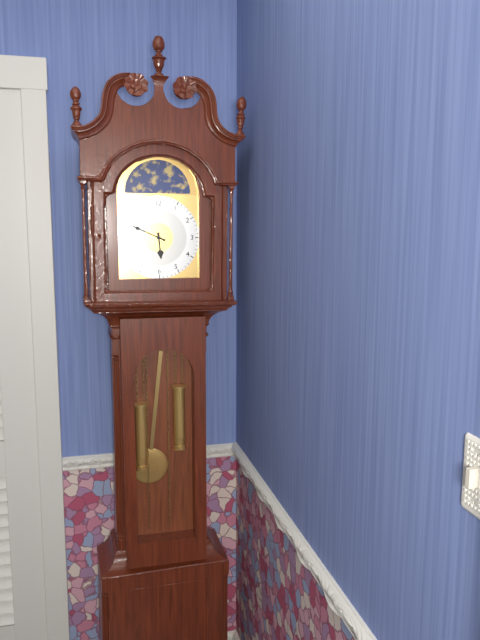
5:49
